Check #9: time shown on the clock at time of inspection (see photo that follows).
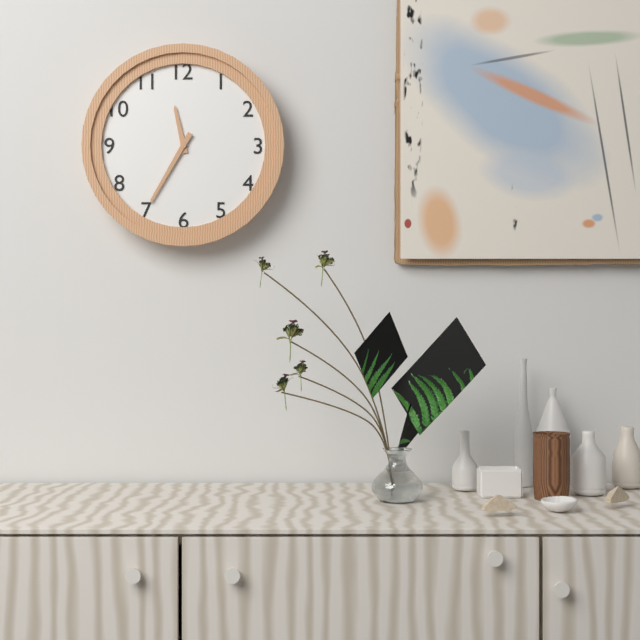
11:35
